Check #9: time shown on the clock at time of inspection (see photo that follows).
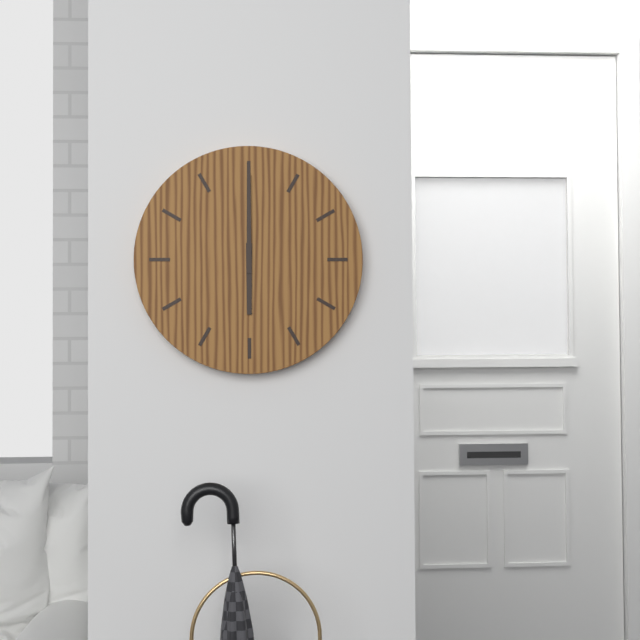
6:00
